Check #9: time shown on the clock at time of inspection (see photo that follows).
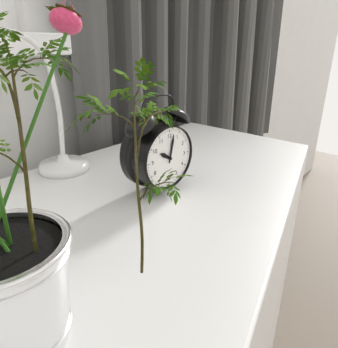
10:02
